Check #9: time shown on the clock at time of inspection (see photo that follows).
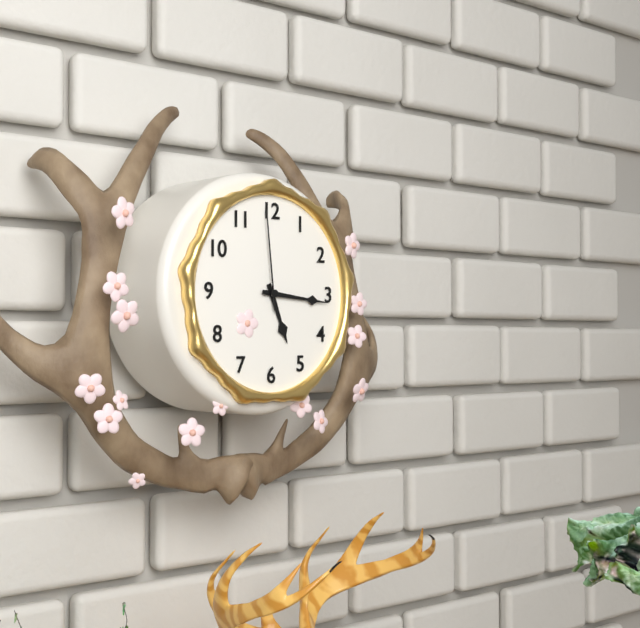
5:16:59
